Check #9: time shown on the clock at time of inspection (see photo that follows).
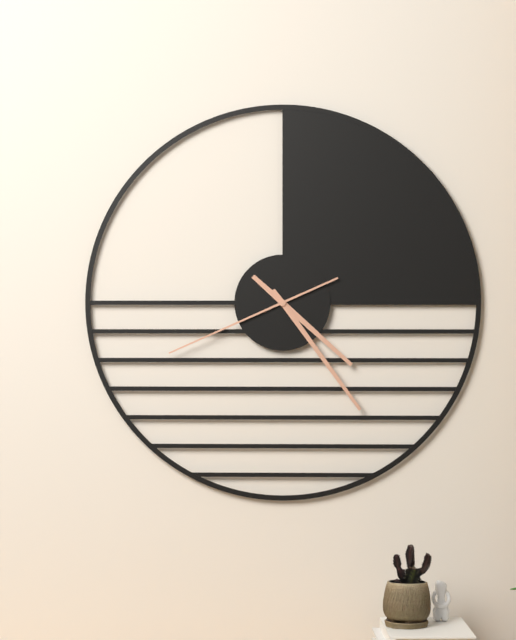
4:24:41
